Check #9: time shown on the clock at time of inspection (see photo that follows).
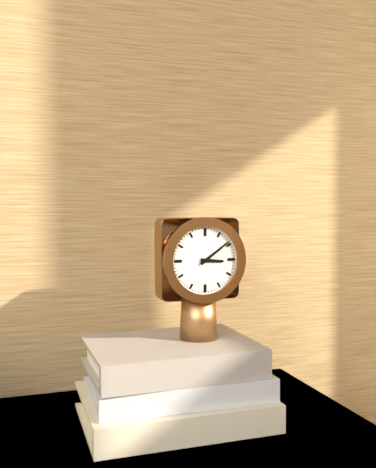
3:09
